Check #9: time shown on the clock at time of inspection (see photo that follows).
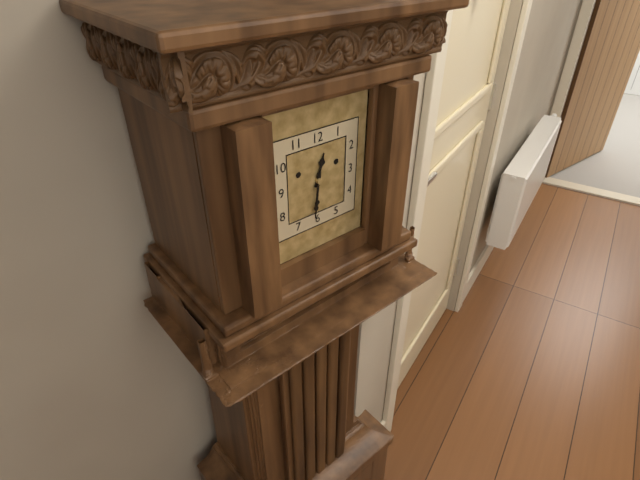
12:31
